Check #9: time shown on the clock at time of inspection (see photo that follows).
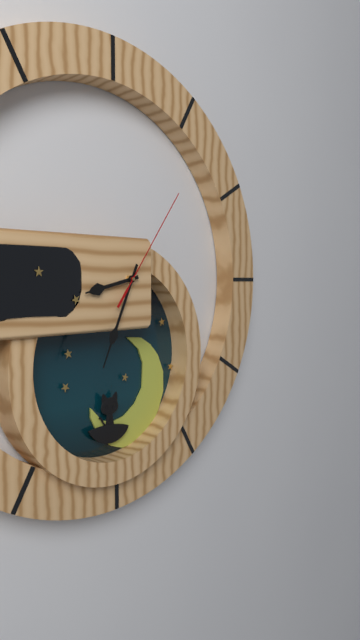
8:34:06
